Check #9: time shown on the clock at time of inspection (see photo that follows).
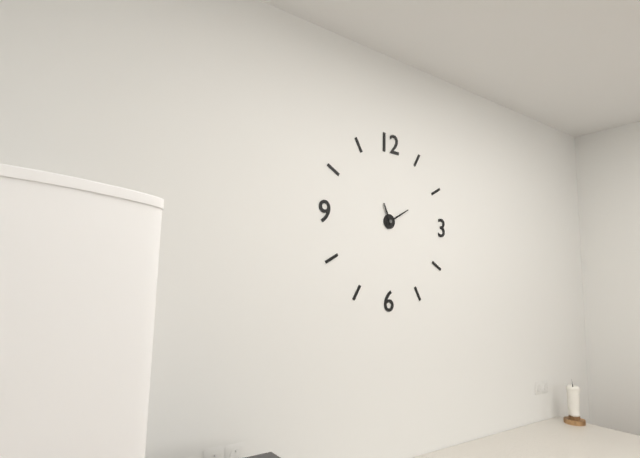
11:10
